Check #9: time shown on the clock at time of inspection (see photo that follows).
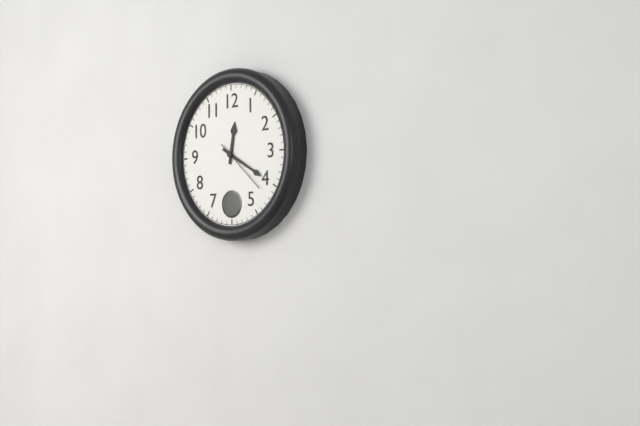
12:20:22
